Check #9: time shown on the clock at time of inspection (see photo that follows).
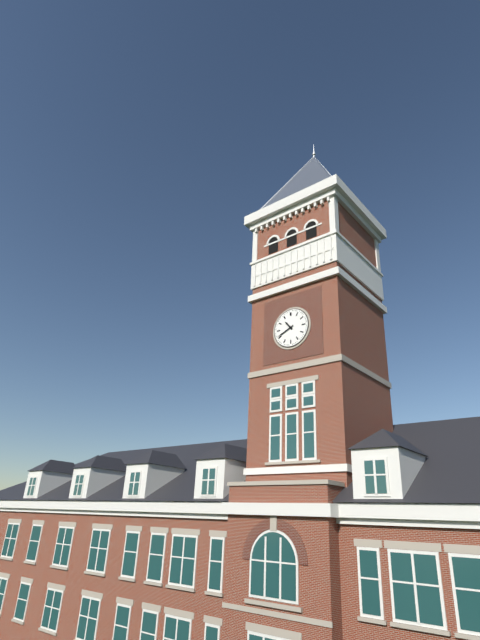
10:41
